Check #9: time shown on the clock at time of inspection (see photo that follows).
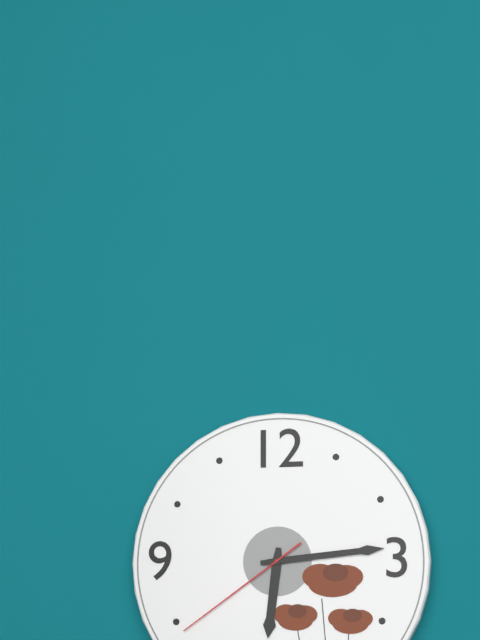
6:14:39
